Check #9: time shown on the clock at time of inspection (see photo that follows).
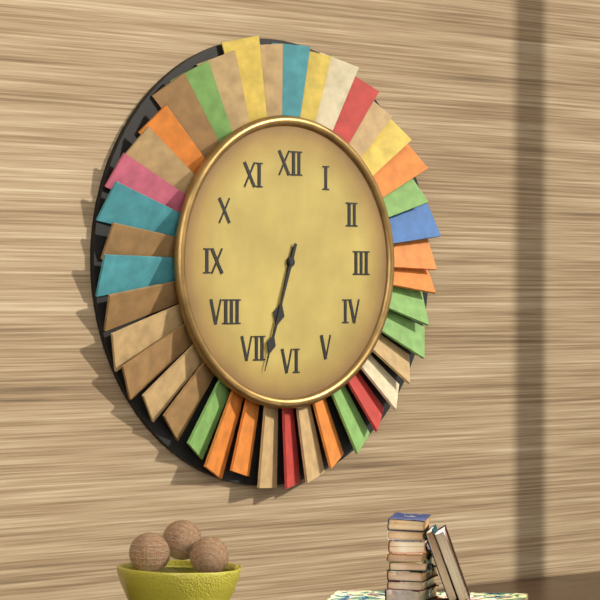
6:33
